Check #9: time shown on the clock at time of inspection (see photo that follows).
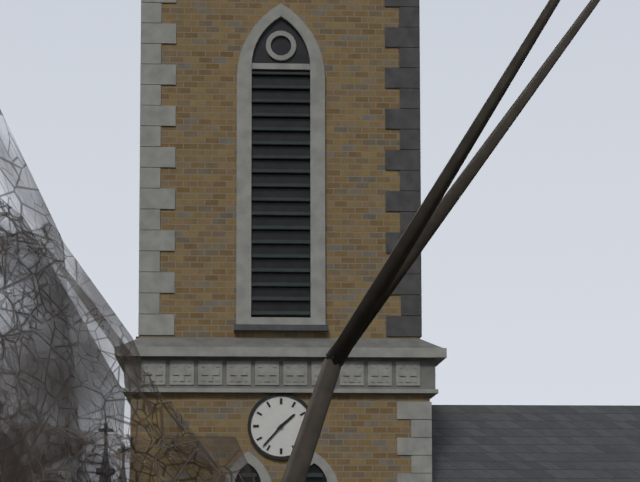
1:37
